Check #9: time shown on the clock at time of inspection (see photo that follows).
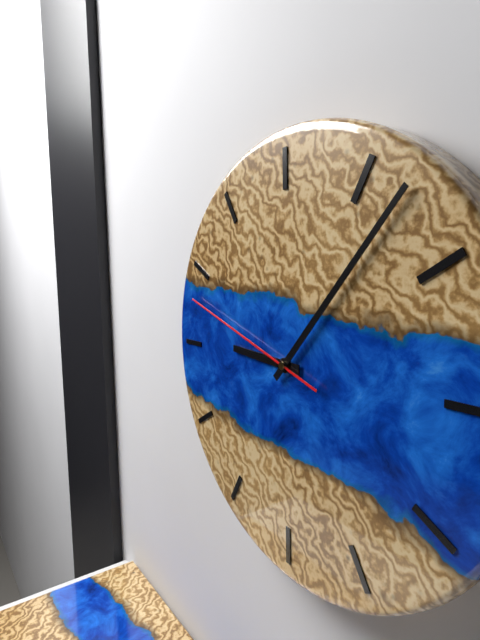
9:07:48
